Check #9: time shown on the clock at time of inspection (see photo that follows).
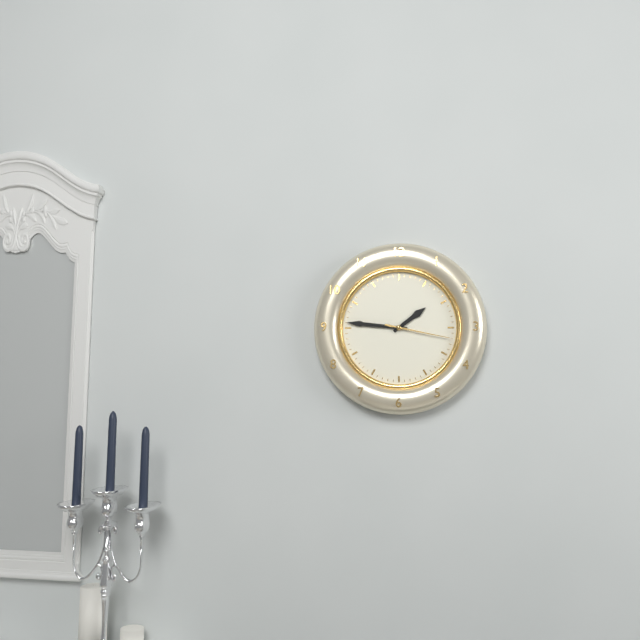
1:46:17
